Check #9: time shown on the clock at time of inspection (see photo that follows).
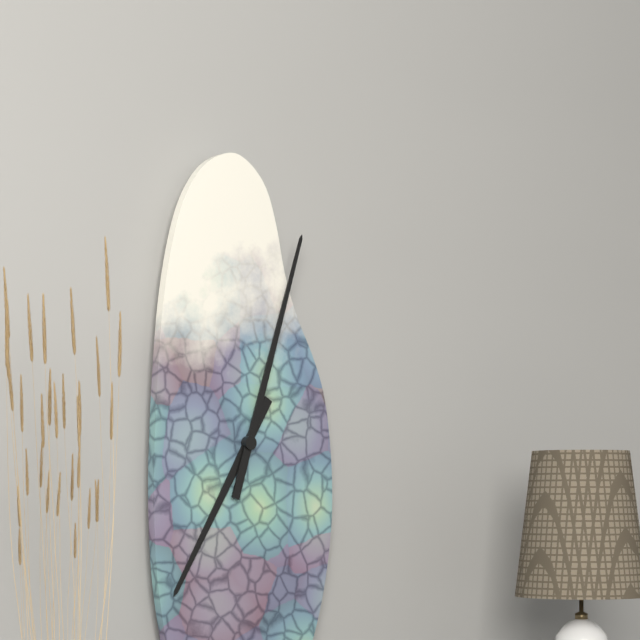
7:03
